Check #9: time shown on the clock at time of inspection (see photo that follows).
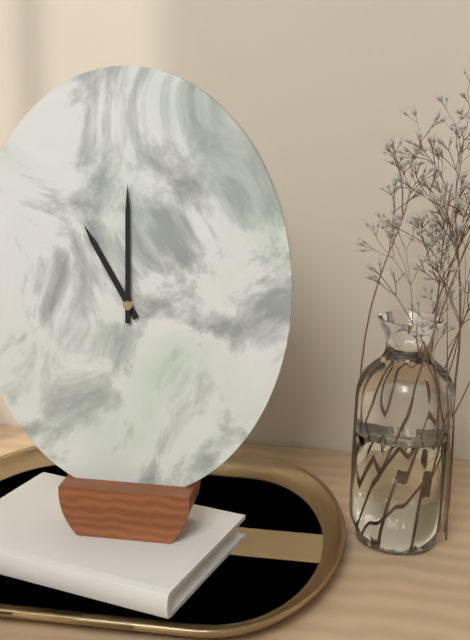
11:00
